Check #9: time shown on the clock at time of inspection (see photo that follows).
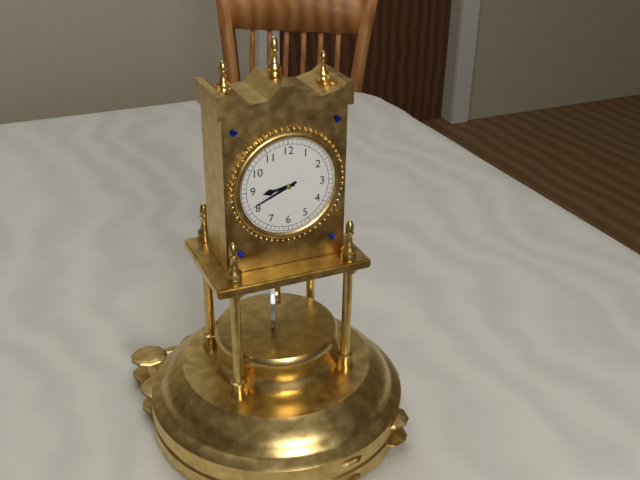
8:41
